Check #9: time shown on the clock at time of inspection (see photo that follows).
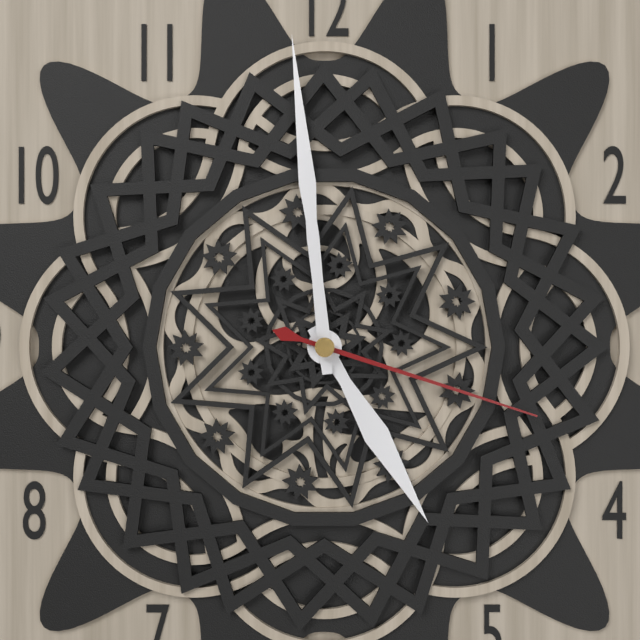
4:59:18
